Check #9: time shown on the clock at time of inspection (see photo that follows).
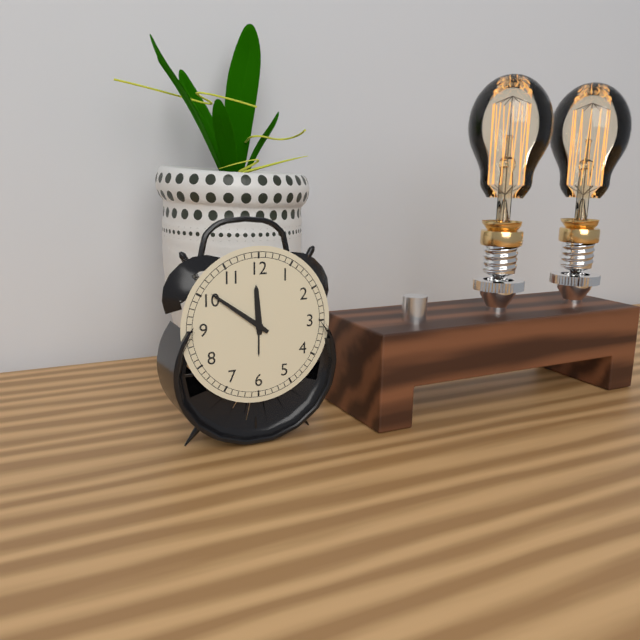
11:51
